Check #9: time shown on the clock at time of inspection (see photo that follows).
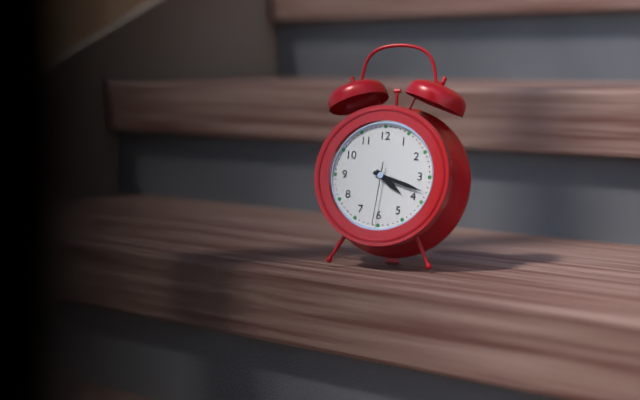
4:18:31
